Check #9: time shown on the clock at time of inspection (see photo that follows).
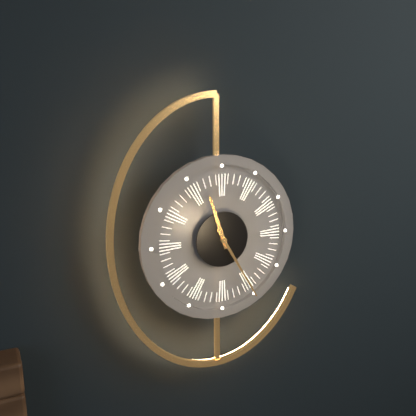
11:25
